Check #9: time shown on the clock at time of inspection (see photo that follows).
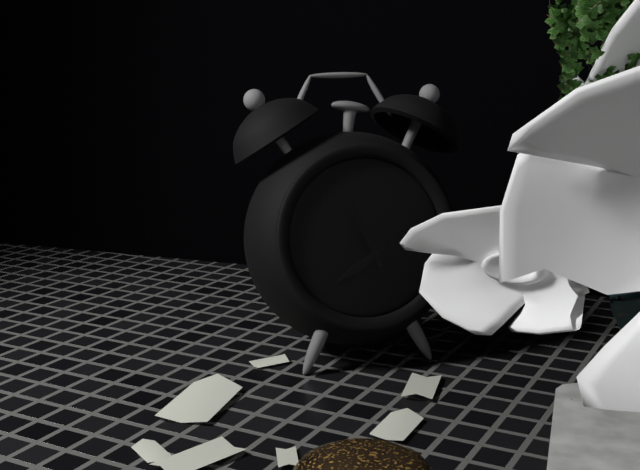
7:56
